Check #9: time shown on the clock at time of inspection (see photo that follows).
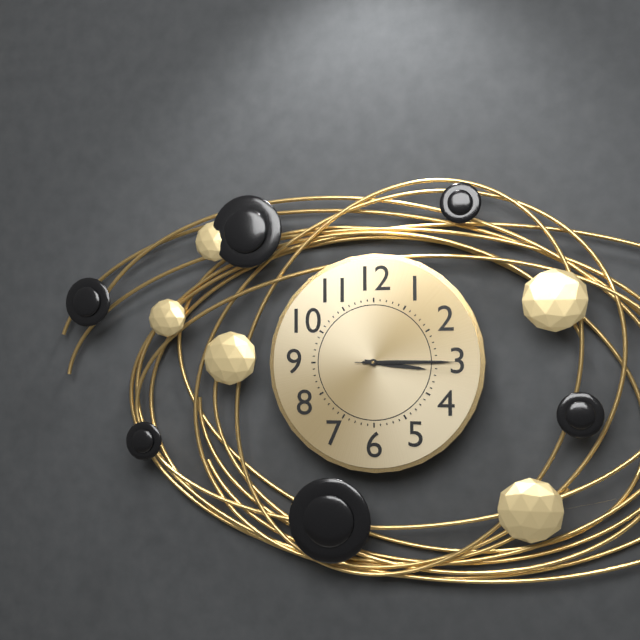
3:15:15
